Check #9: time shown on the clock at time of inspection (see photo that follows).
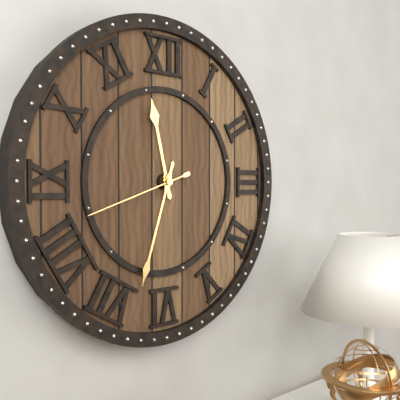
11:33:42
